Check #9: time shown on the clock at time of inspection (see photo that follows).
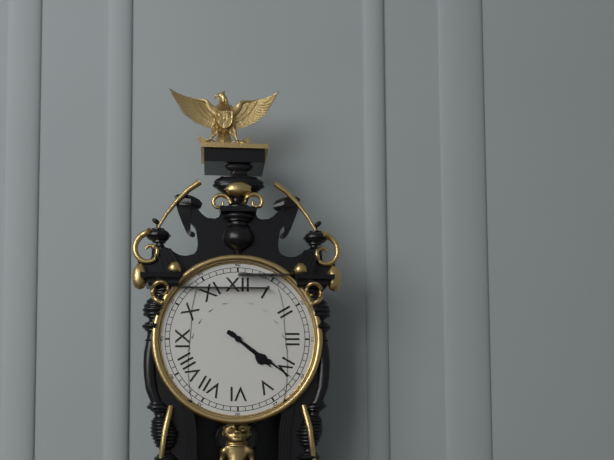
4:21
